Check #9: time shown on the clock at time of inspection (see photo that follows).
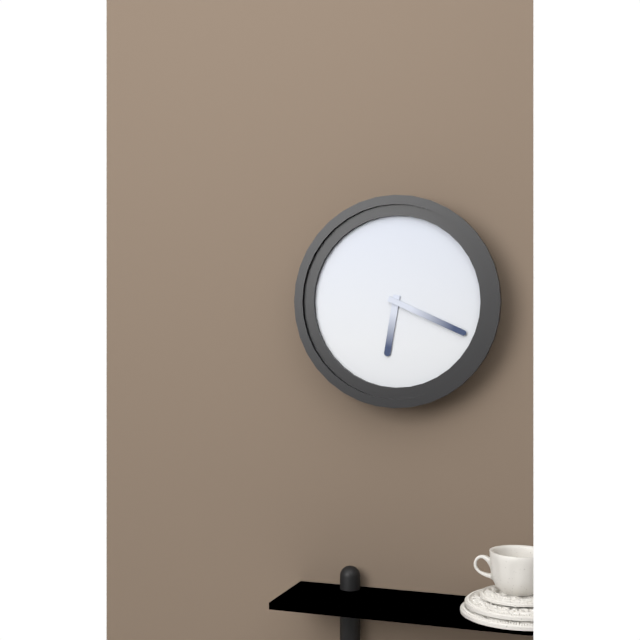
6:19
